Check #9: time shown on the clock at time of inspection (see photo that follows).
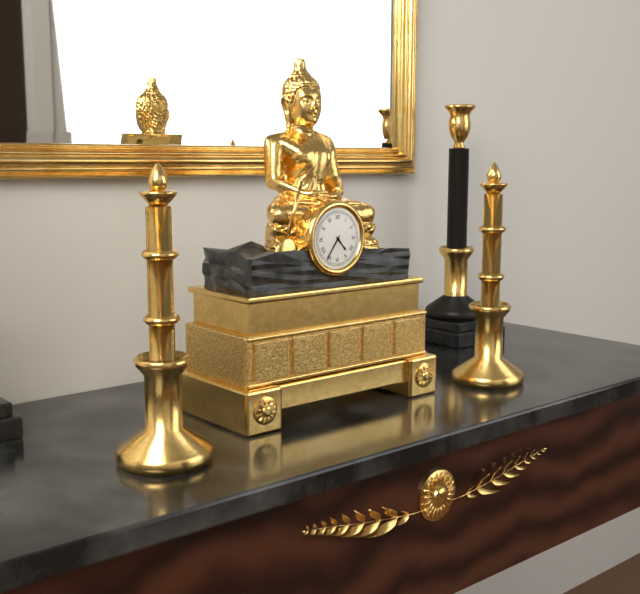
4:36
